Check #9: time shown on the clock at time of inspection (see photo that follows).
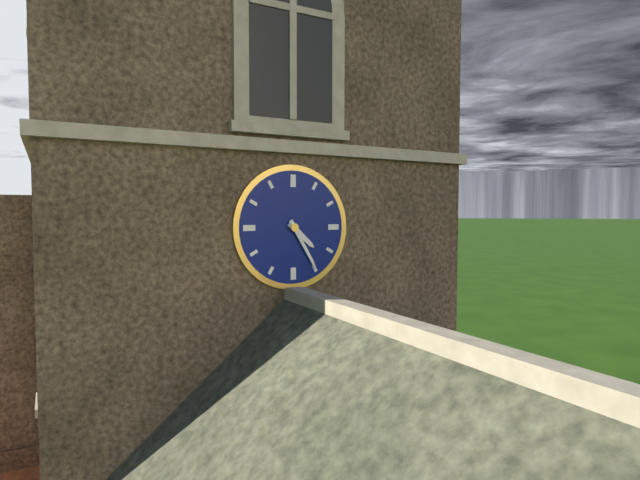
4:25
